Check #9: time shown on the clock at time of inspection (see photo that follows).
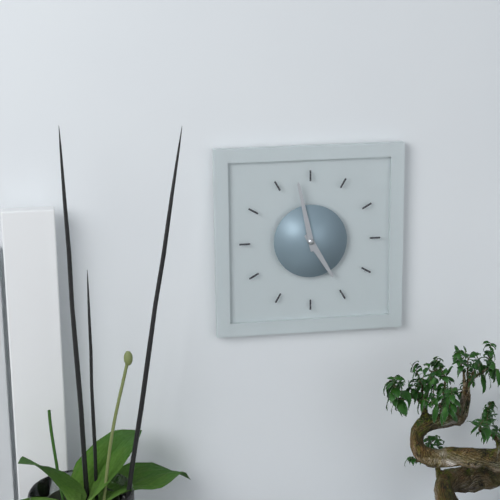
4:58
